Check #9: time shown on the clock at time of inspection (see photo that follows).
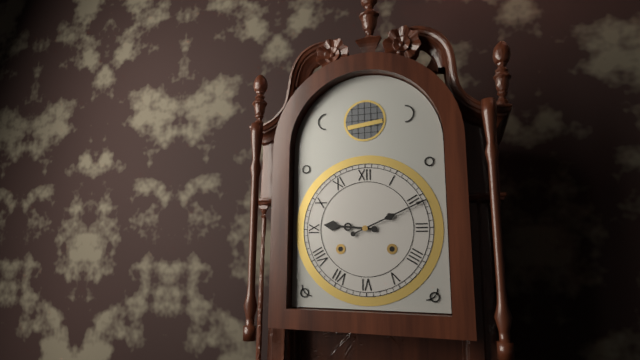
9:11
